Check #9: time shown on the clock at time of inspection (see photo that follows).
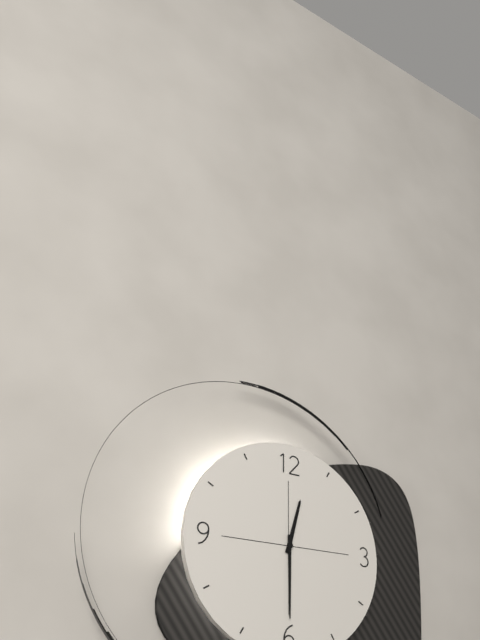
12:30
